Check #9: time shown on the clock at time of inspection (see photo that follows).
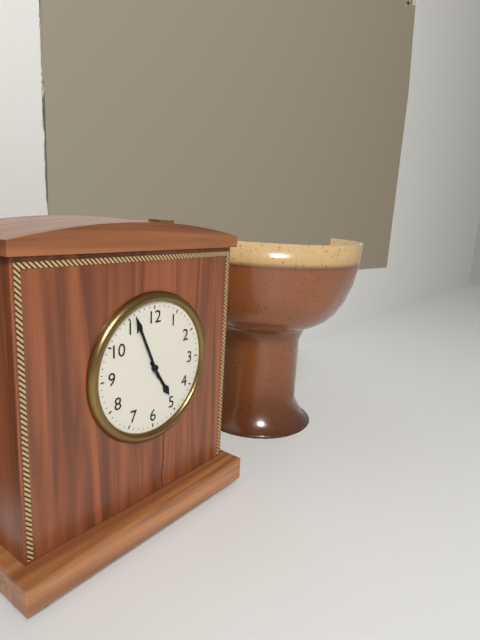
4:56
